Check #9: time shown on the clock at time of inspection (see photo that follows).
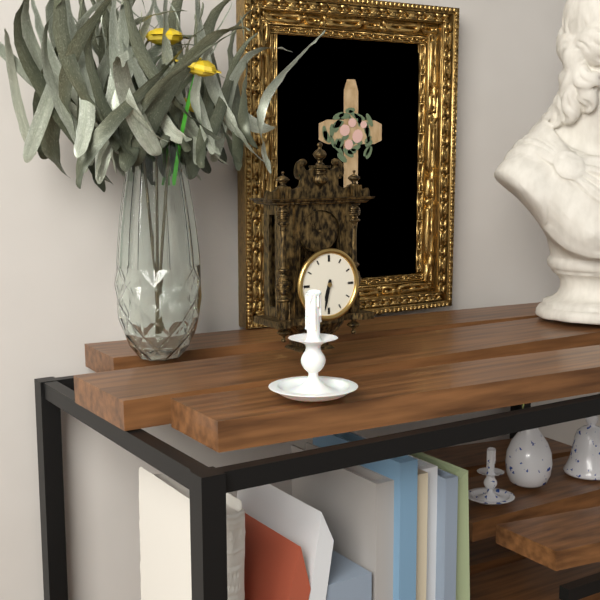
6:32
